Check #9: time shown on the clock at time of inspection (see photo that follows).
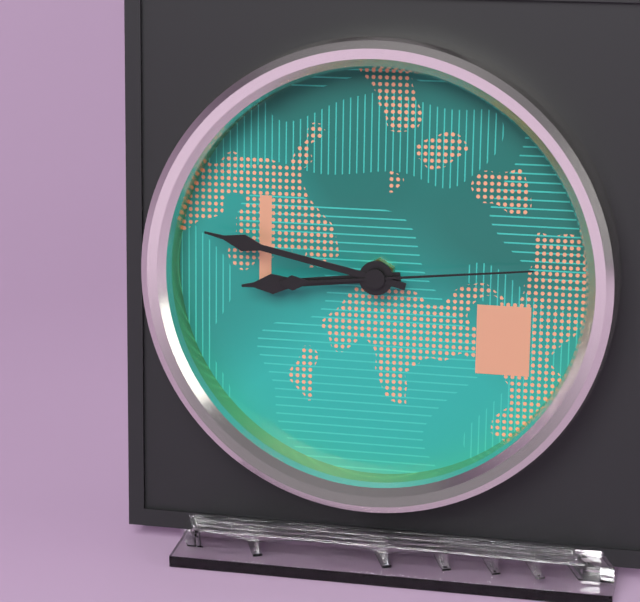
8:47:14
